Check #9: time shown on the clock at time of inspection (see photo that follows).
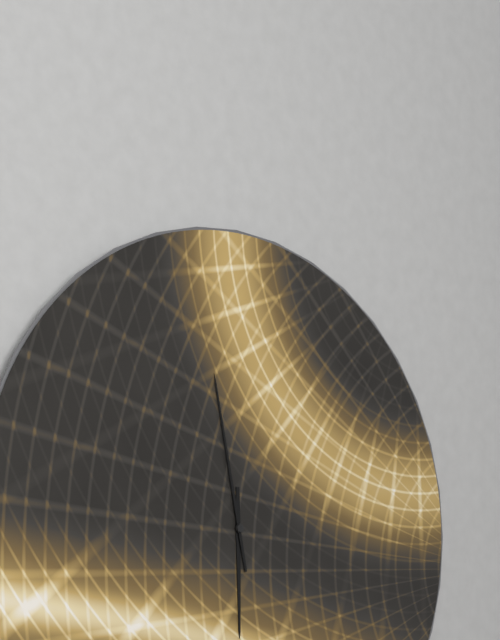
5:58
